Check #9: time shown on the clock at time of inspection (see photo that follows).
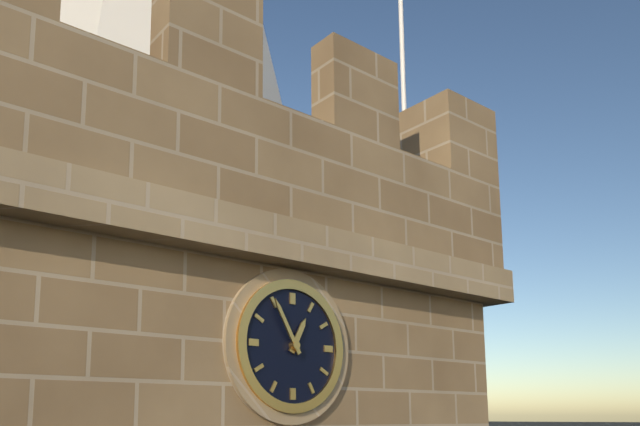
12:55
